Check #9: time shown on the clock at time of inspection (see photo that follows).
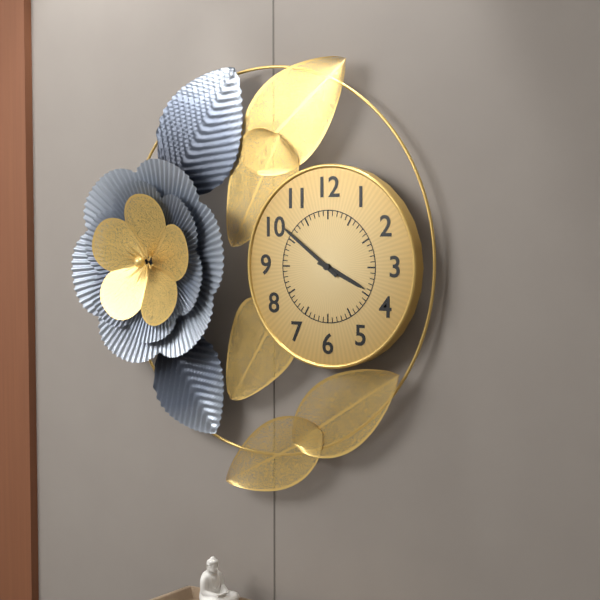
3:51
